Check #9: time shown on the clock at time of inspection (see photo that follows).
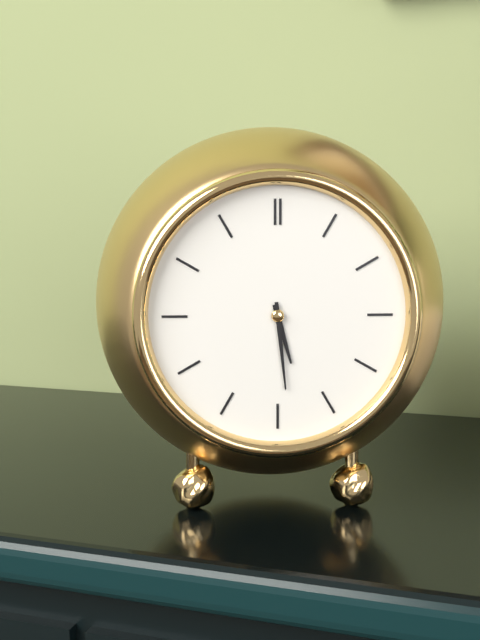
5:29
